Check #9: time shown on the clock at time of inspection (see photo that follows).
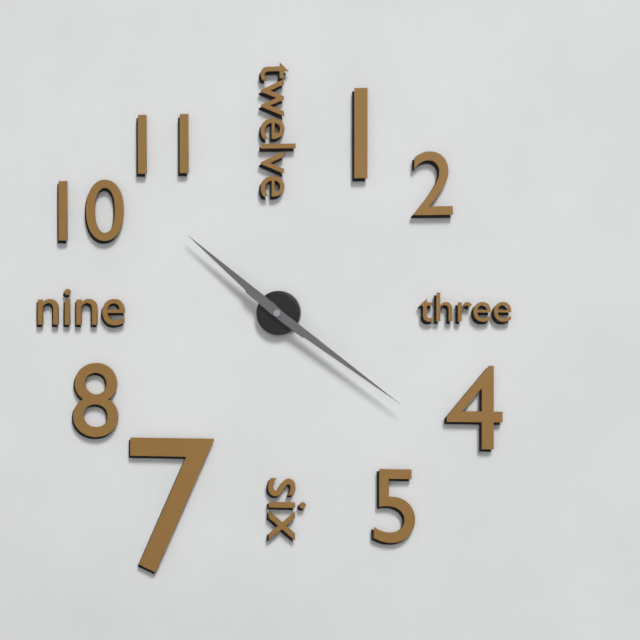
10:21
